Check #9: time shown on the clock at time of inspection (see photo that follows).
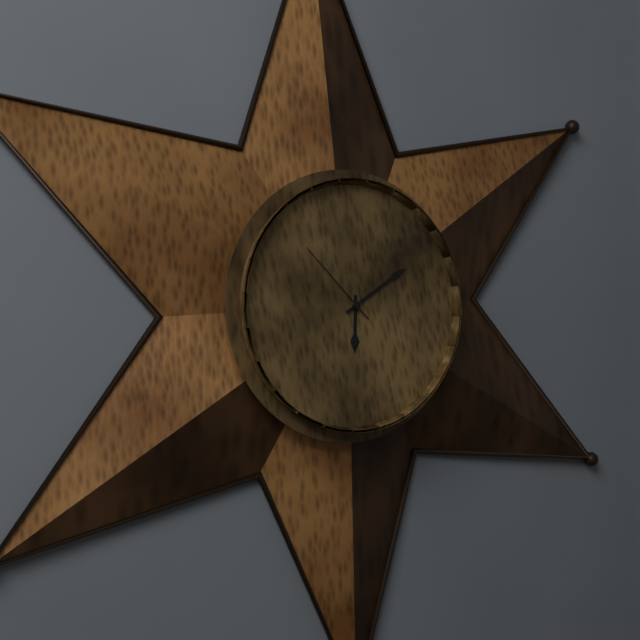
6:10:53
